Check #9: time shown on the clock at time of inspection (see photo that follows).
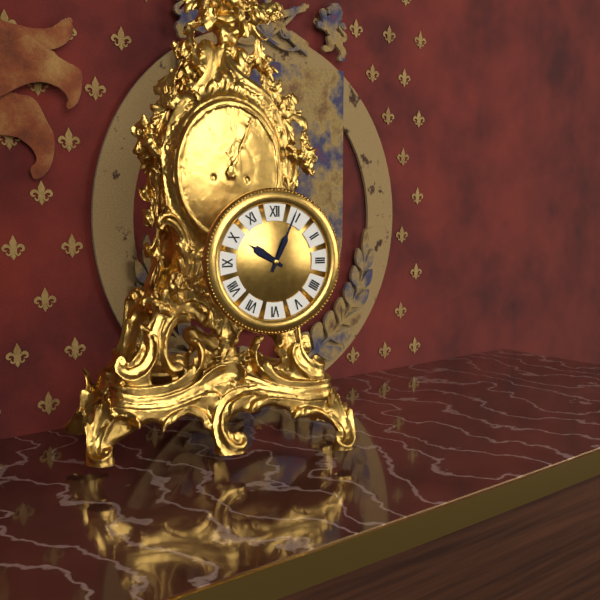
10:04
